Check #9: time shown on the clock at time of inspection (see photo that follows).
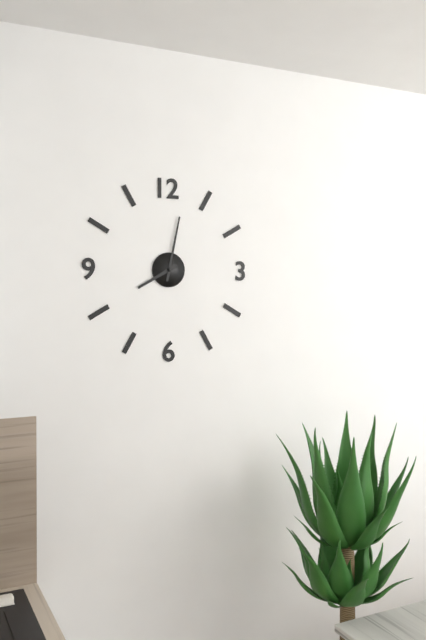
8:02
